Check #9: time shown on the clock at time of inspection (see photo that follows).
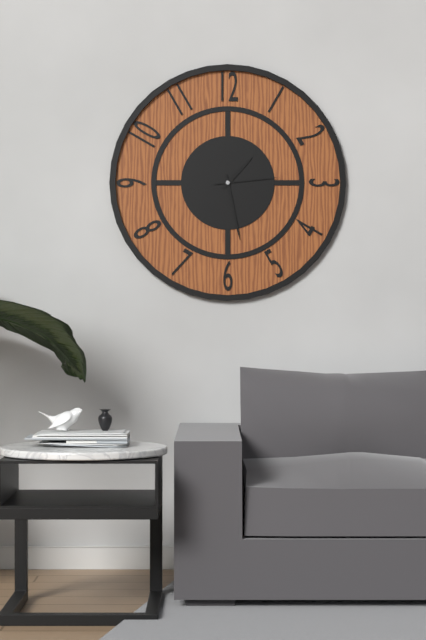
1:28:14
